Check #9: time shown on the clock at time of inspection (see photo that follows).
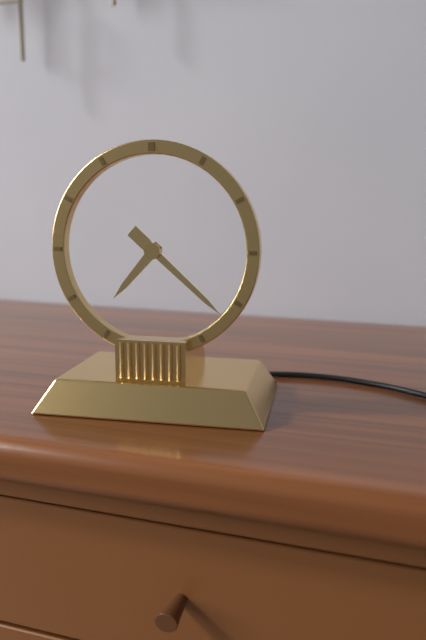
7:22
